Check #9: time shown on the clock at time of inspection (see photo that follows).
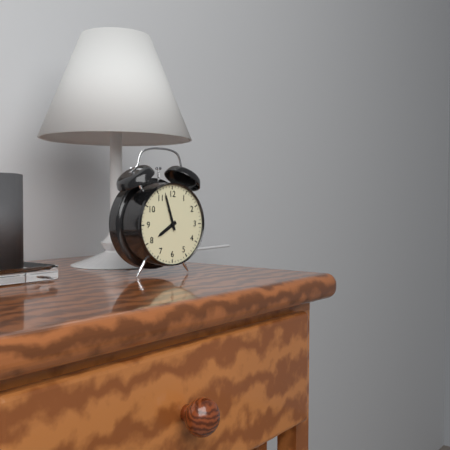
7:57
